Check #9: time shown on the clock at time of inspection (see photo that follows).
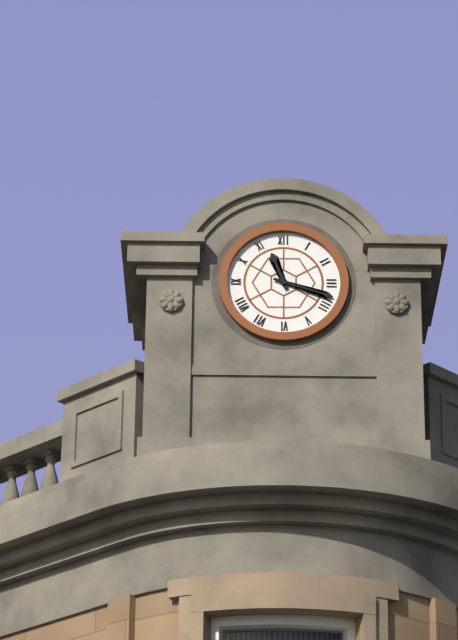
11:18
